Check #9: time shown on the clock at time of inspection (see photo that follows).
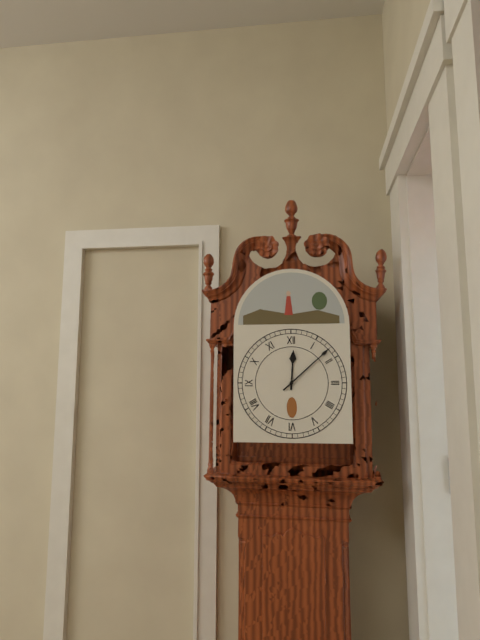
12:08
